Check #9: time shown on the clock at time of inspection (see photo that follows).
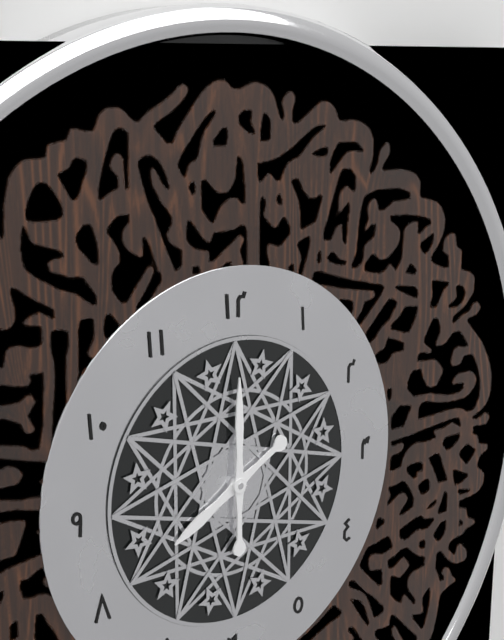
8:00
